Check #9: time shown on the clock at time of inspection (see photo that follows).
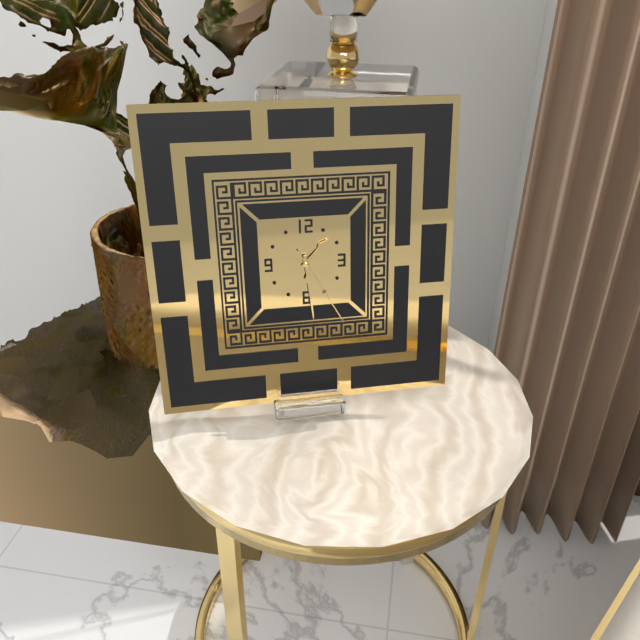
1:29:25
